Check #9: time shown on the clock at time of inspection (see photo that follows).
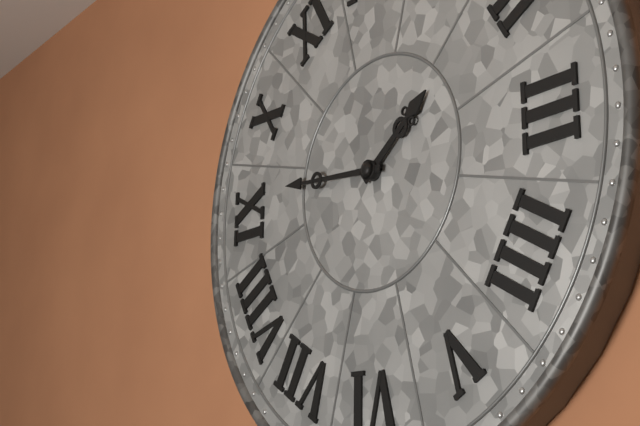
1:46
